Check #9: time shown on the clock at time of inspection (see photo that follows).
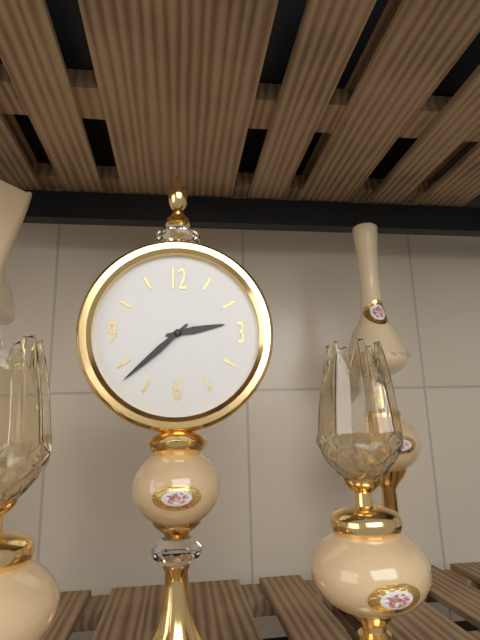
2:38
